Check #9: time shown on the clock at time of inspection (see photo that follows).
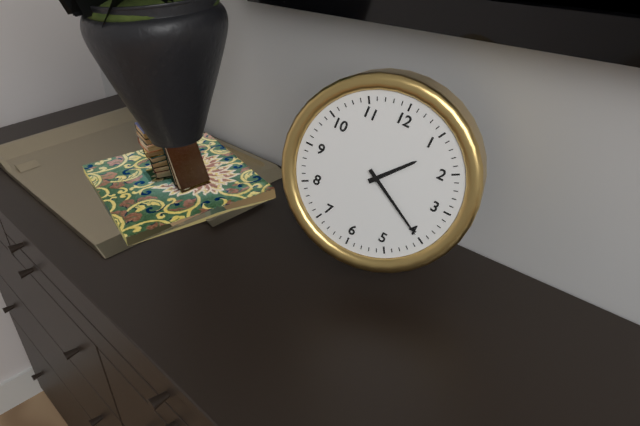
1:20
